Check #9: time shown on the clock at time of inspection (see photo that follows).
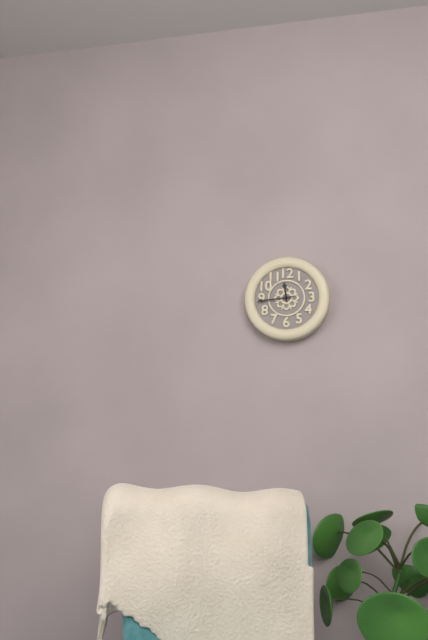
11:44
